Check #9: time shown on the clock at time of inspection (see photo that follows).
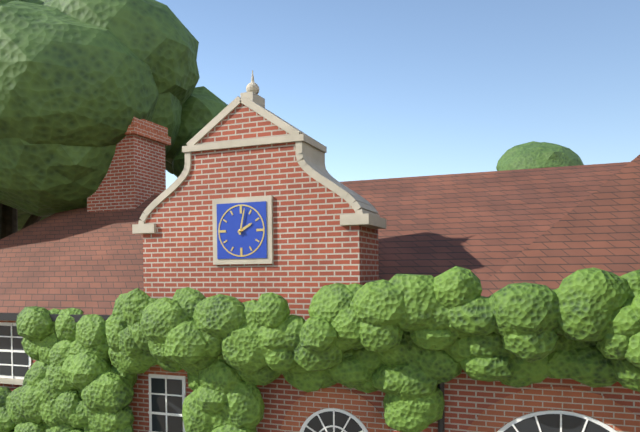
2:02
